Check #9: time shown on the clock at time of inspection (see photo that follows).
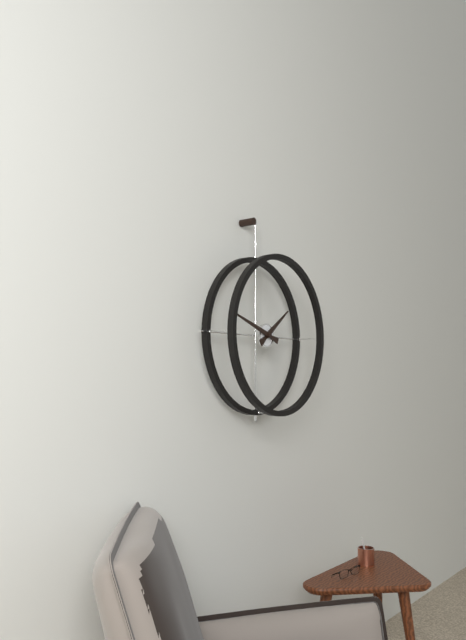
1:48
